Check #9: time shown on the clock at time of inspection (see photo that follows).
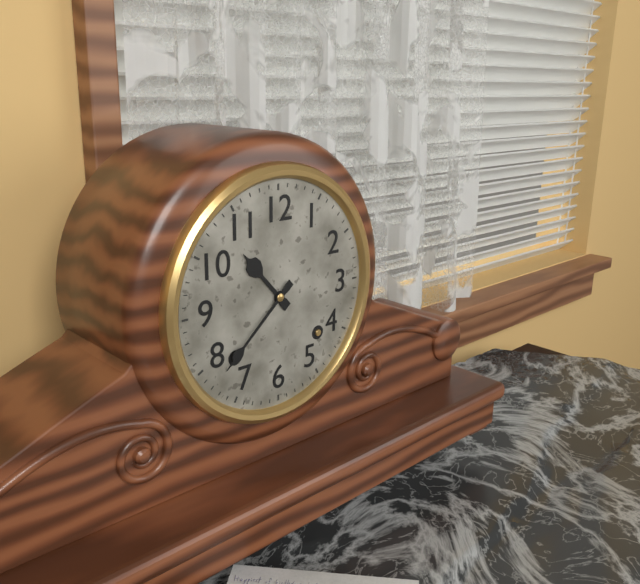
10:38
